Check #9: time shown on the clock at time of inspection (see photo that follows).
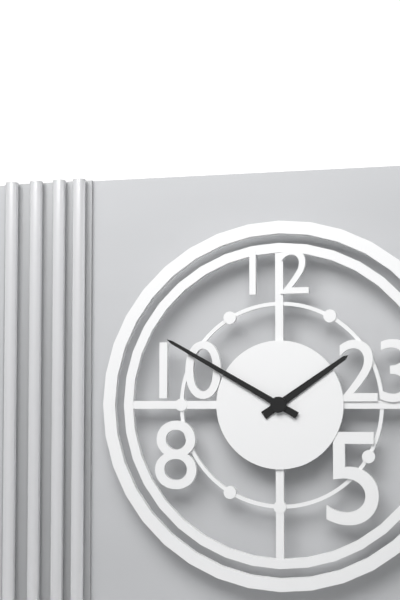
1:50
